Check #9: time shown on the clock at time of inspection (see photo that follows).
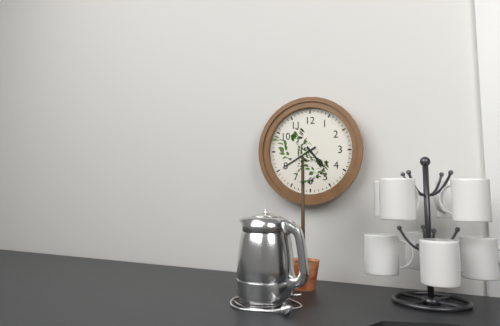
4:40
